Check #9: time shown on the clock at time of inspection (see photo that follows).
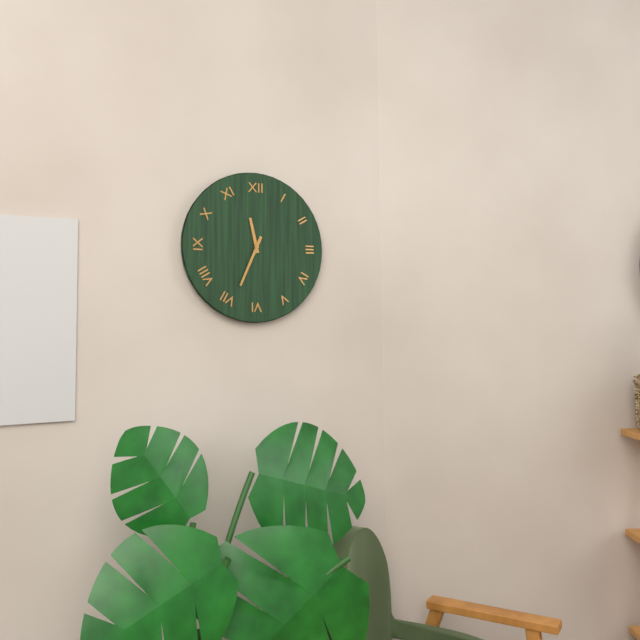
11:34
